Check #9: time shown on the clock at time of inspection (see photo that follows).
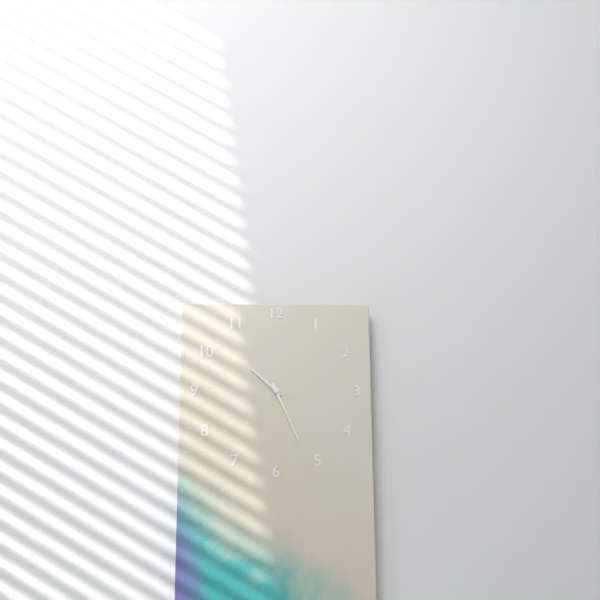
10:26
